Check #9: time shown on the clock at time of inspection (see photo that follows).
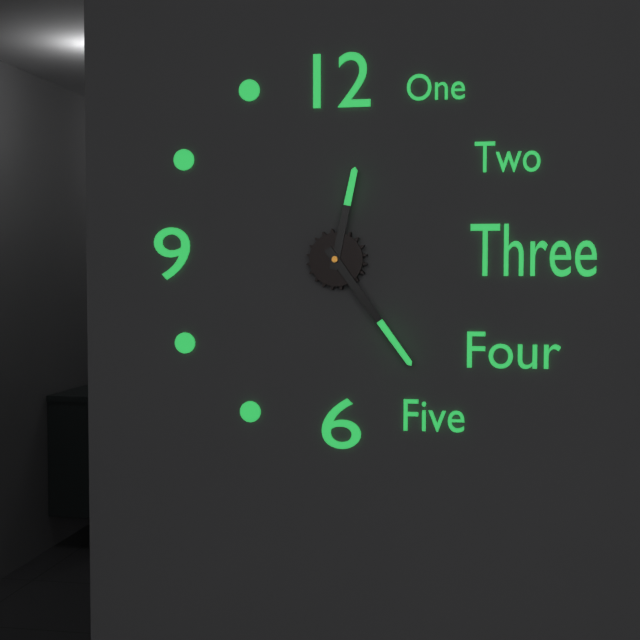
12:24
